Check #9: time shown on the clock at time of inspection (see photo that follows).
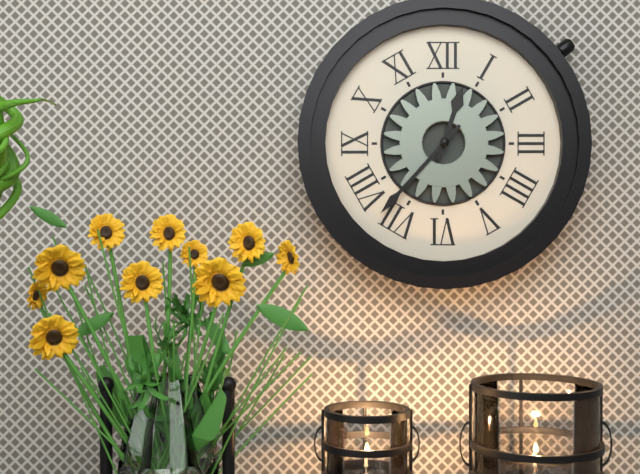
12:37
